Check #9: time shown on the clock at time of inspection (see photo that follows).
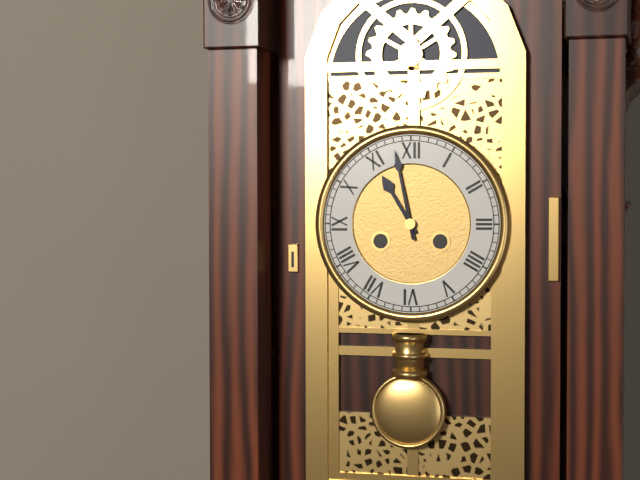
10:58
